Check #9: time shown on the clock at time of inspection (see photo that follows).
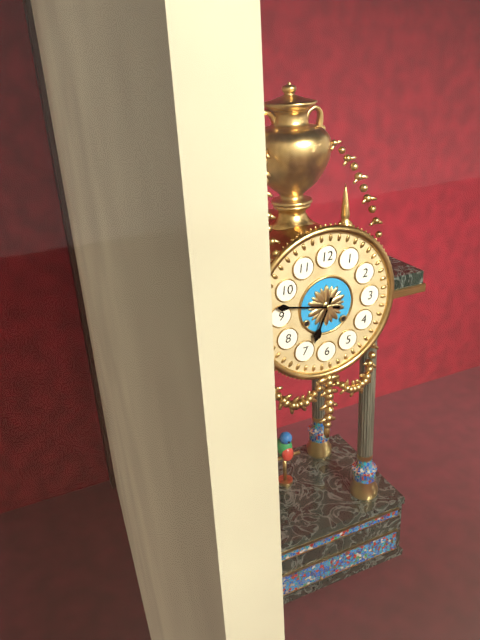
6:47
